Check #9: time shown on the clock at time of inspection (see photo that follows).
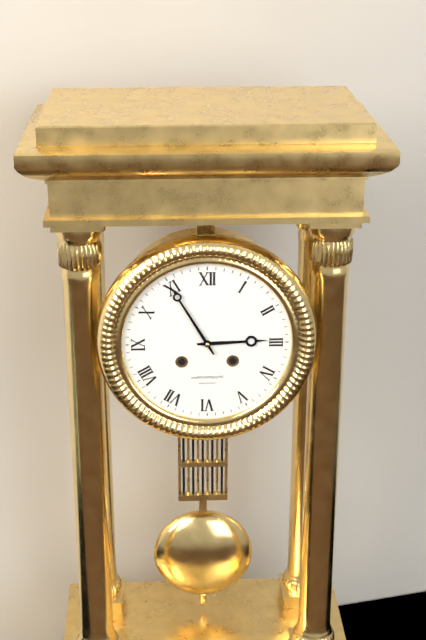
2:55
